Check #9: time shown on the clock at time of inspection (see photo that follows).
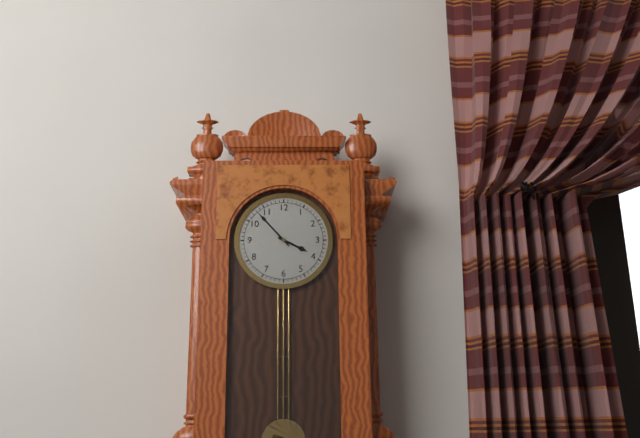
3:53
